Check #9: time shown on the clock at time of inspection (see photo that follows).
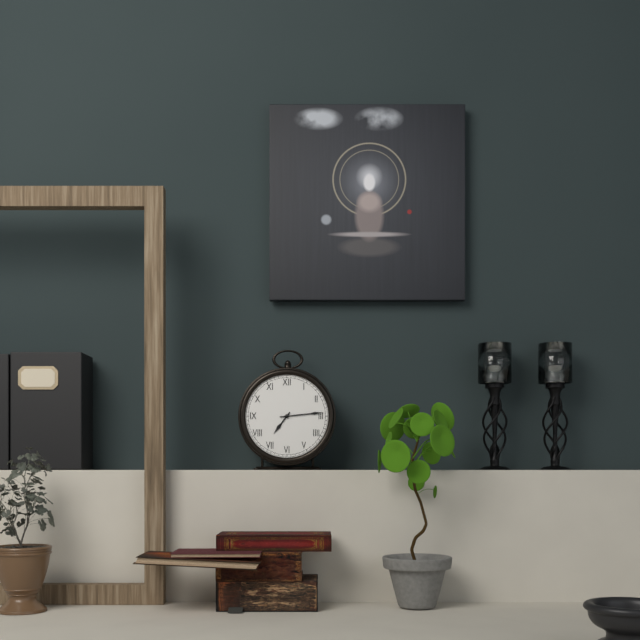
7:14
